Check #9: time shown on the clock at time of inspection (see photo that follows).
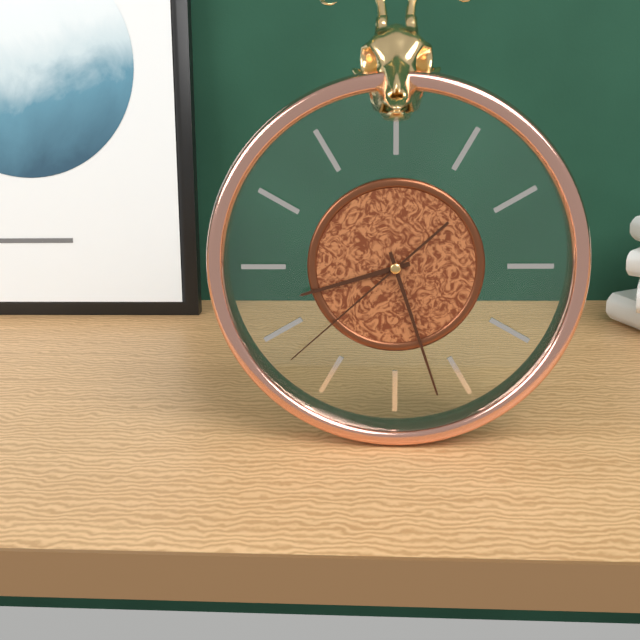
8:27:38
